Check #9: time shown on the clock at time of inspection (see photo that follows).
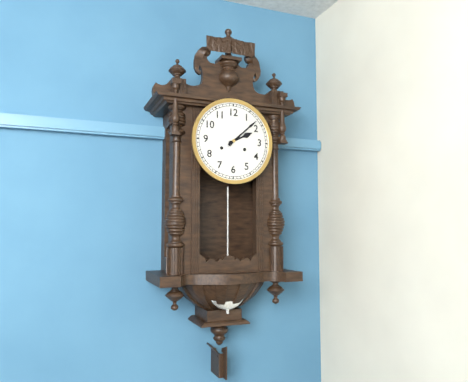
2:08
